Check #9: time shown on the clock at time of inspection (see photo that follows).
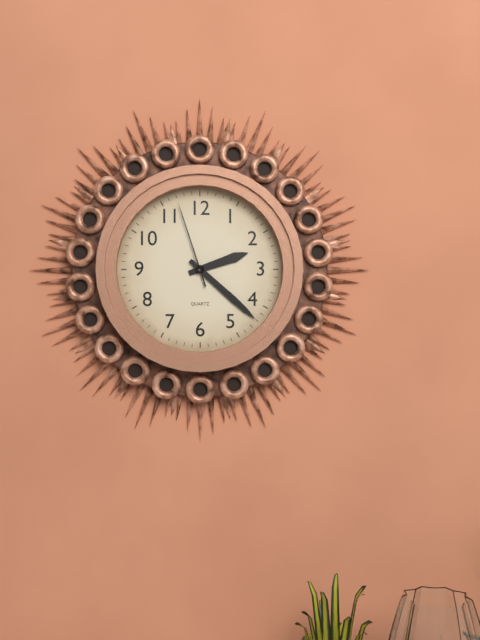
2:22:57
